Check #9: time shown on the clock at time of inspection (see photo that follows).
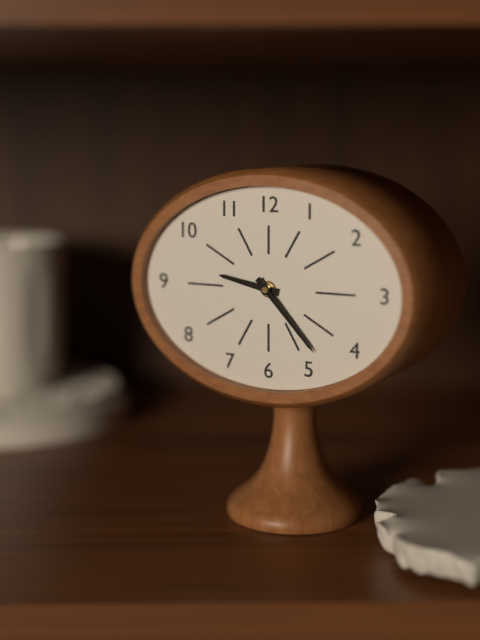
9:23
